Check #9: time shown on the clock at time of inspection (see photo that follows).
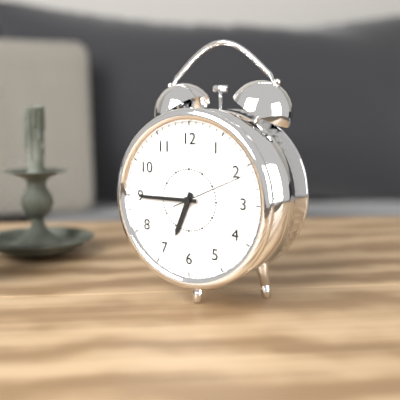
6:45:11
